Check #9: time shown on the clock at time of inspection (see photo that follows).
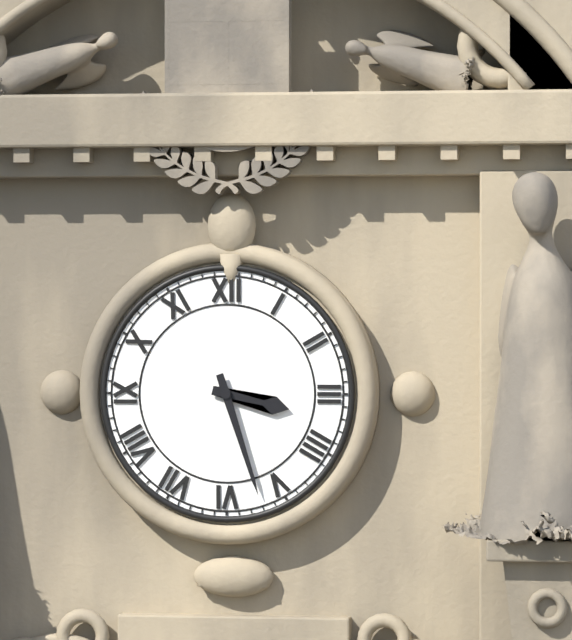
3:27
